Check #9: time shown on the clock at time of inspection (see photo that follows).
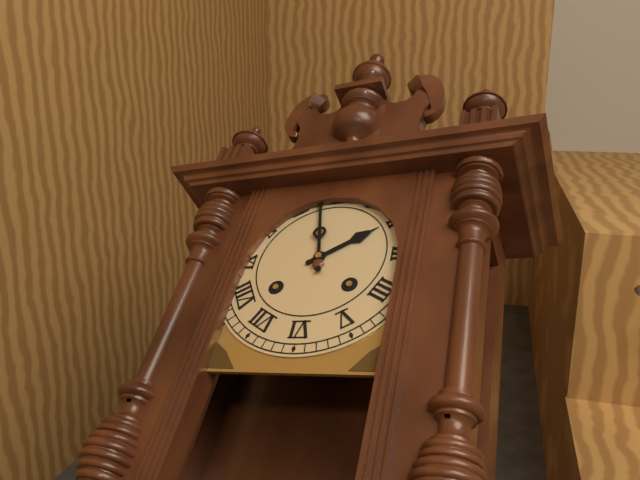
1:58
